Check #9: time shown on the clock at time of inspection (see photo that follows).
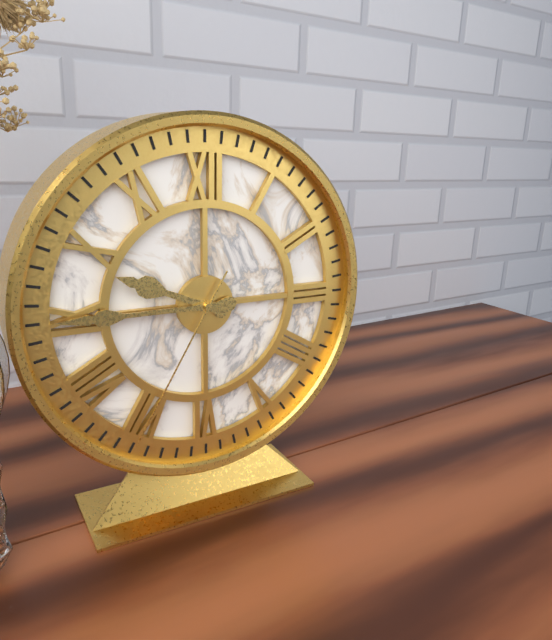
9:45:35
